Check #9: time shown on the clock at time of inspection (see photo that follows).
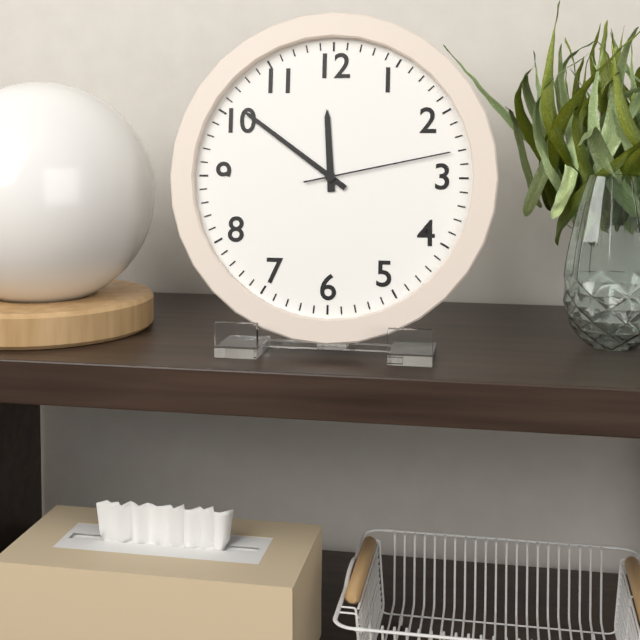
11:51:13
